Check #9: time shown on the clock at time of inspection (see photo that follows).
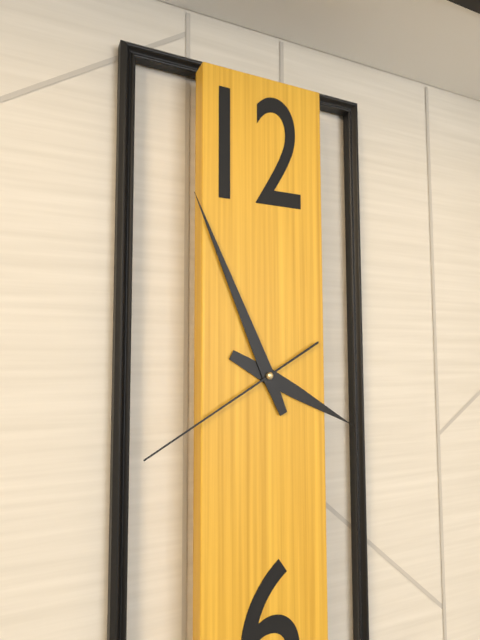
3:56:40
